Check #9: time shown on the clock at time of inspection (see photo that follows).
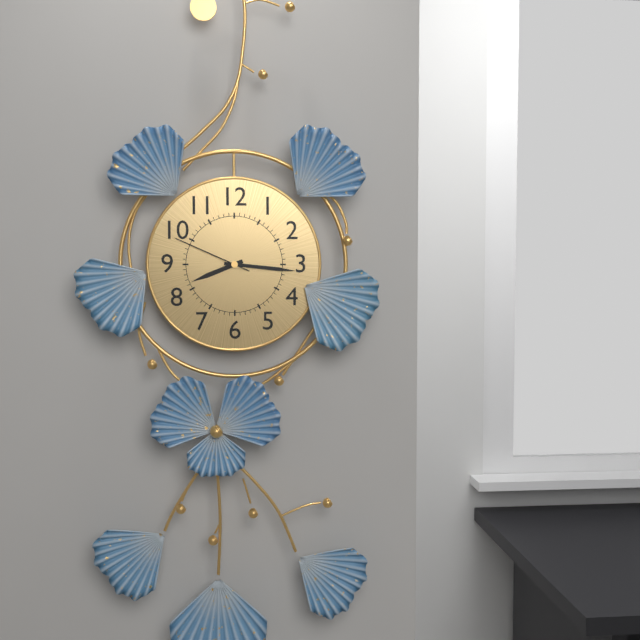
8:16:49
